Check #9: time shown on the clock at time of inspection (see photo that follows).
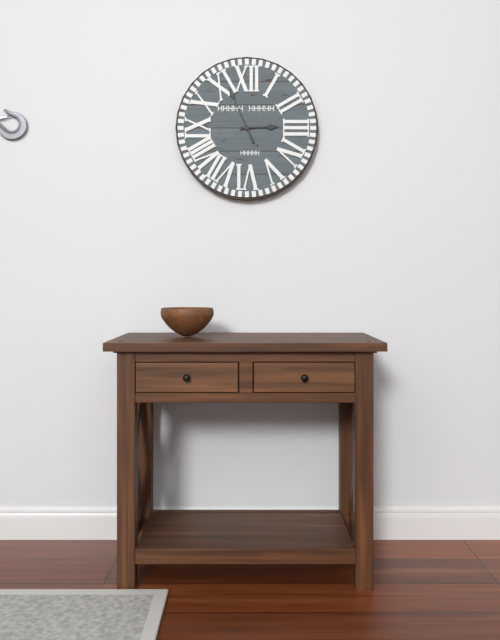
2:56
